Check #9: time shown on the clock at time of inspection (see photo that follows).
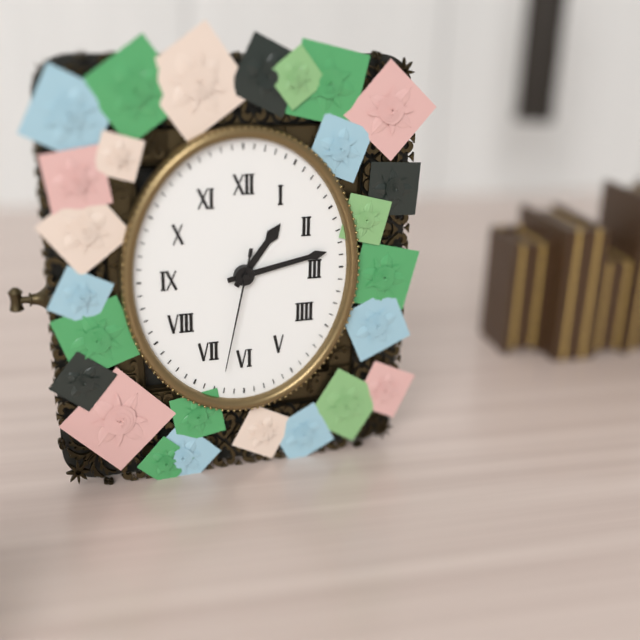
1:13:32
